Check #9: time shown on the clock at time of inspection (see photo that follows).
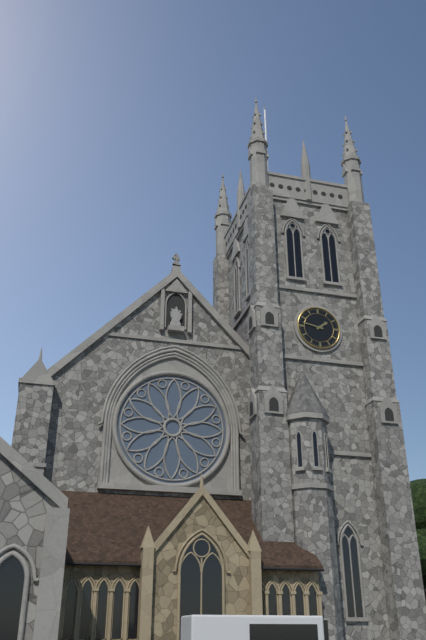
1:47
